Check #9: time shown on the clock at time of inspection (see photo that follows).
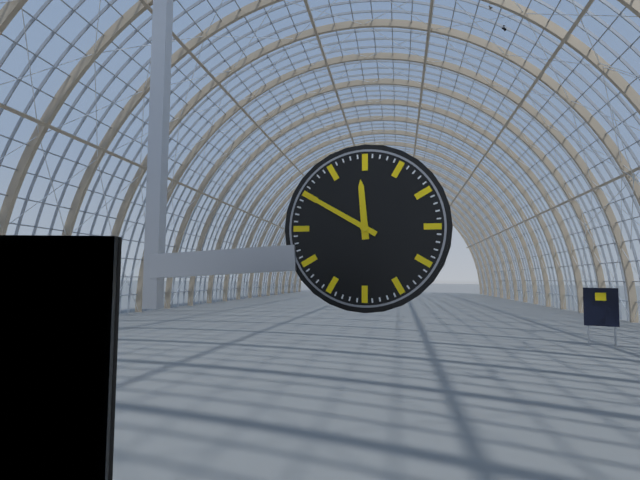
11:50
